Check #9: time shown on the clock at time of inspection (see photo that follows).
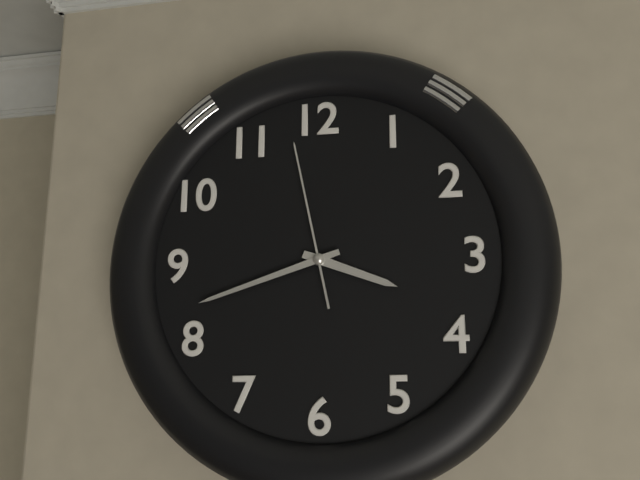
3:42:58
